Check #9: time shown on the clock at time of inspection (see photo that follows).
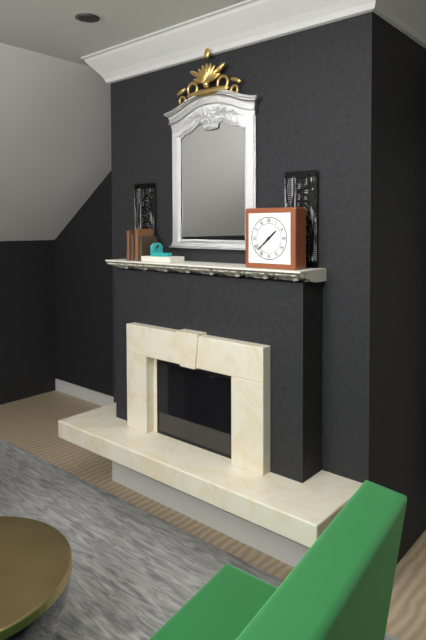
1:38
